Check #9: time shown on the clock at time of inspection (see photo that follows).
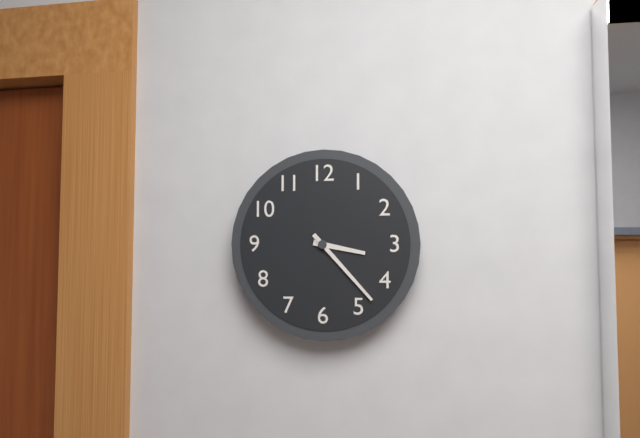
3:23
